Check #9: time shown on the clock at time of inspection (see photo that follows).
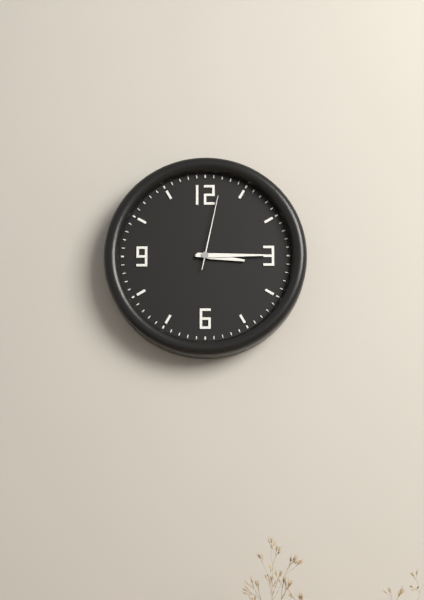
3:15:02
